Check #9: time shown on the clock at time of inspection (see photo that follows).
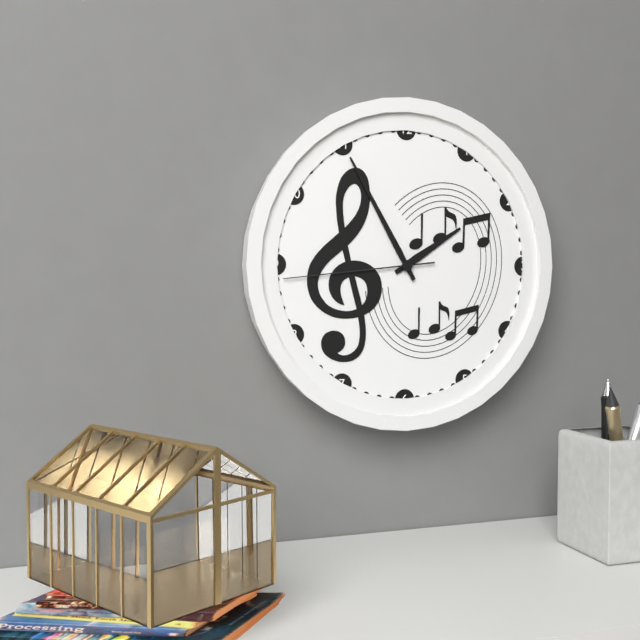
1:55:44
